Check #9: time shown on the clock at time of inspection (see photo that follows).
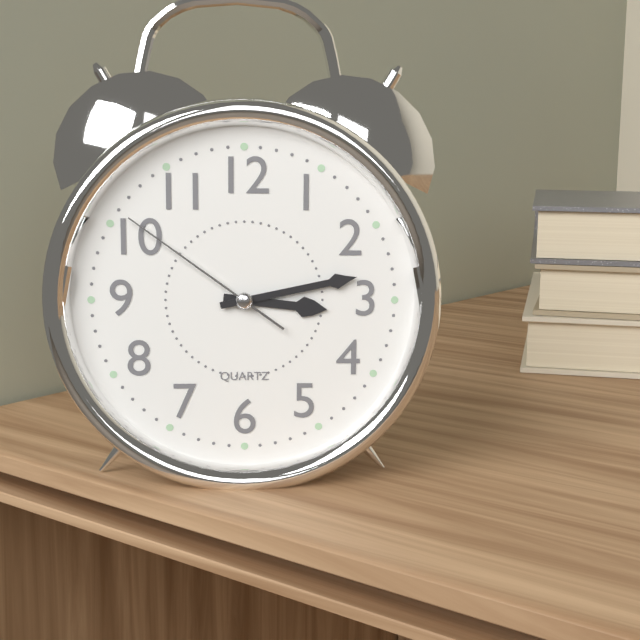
3:13:51
